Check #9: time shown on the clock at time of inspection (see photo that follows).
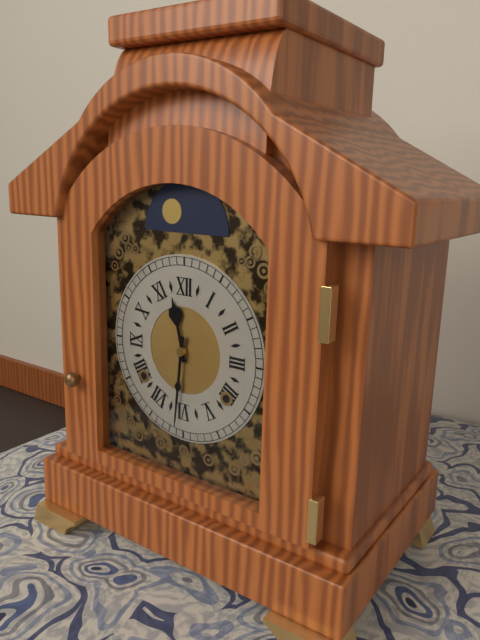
11:31
